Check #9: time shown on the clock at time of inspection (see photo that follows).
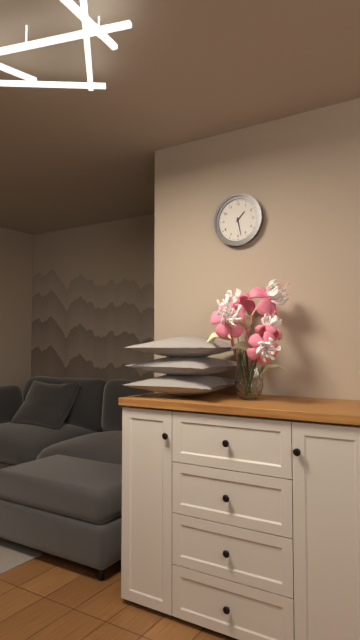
1:28
